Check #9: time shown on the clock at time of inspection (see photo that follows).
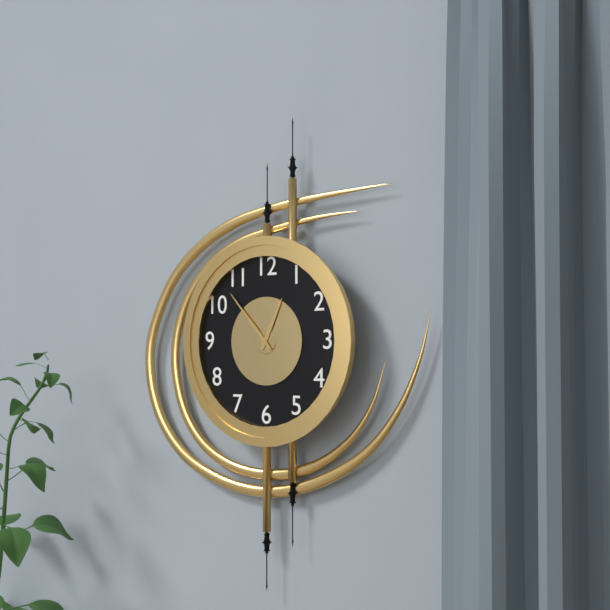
12:53
